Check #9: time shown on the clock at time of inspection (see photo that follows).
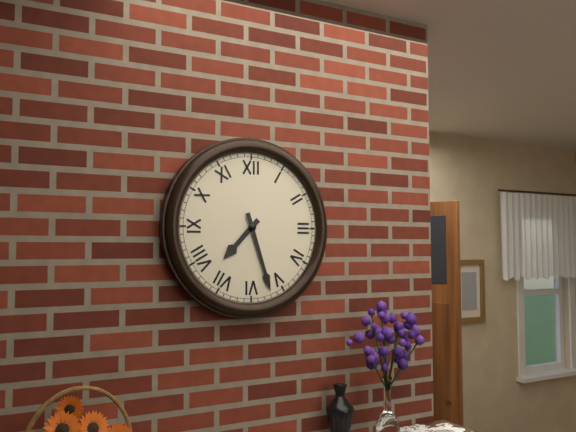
7:27
